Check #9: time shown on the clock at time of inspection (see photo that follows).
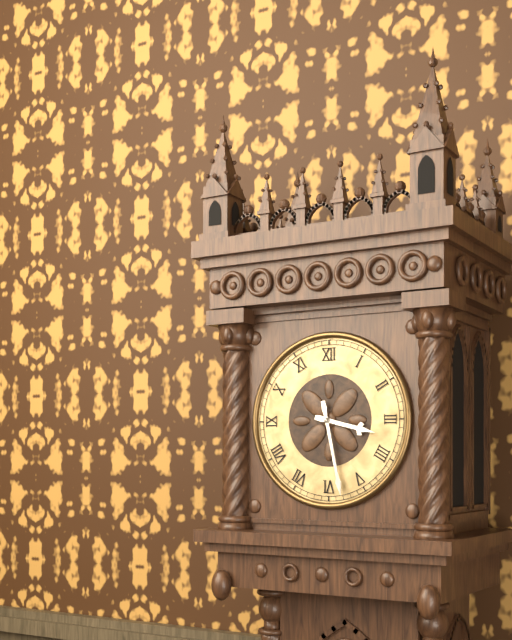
3:28
